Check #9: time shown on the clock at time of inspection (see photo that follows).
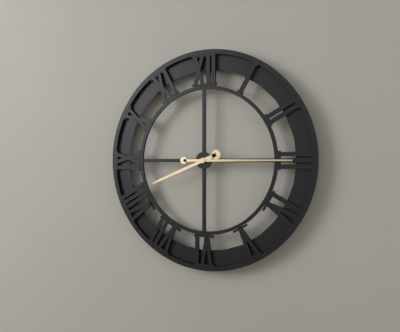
8:15
